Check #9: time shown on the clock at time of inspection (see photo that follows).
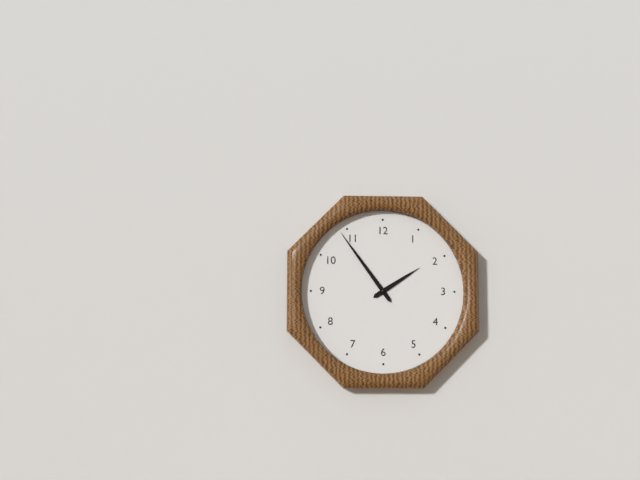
1:54
